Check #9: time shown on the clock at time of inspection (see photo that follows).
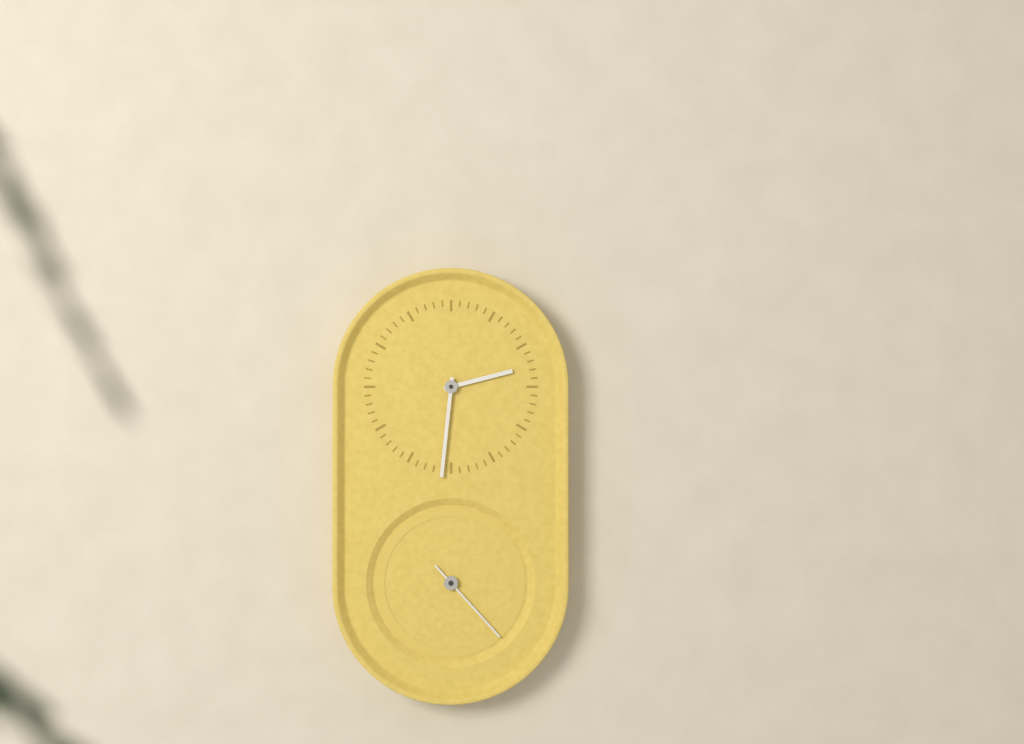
2:31:23
